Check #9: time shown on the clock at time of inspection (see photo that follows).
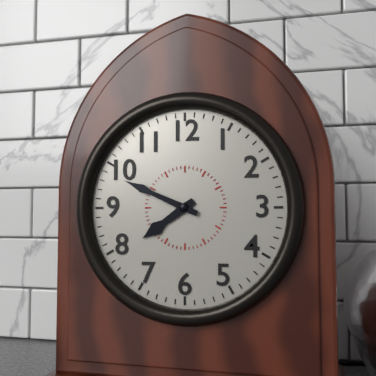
7:49
